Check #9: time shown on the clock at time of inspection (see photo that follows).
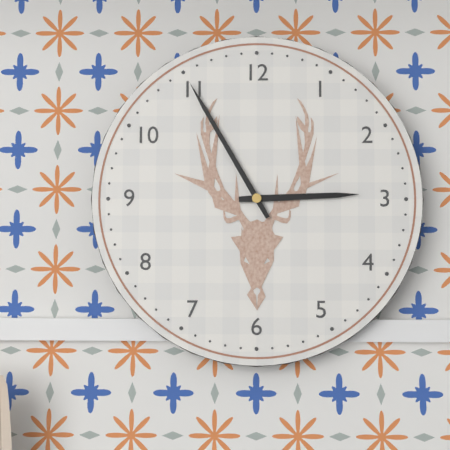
2:55
